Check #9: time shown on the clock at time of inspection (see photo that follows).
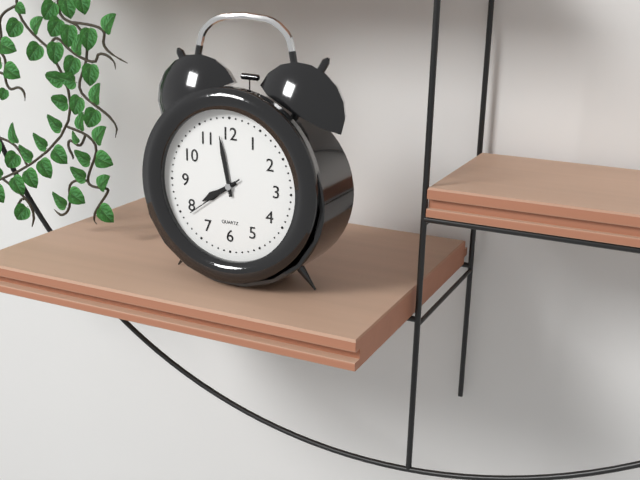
7:58:39
